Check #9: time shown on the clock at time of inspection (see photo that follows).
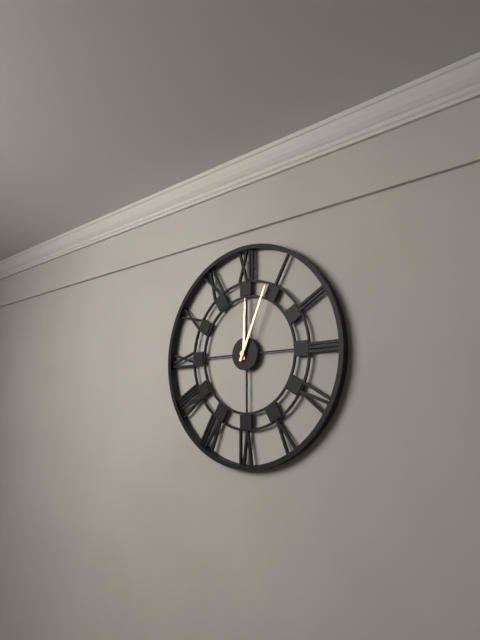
12:04
